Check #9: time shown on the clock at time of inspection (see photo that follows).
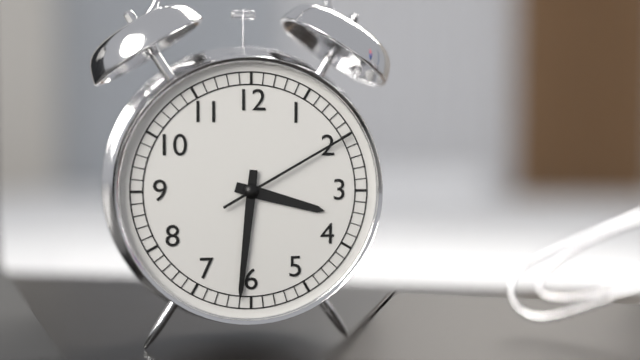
3:31:10
